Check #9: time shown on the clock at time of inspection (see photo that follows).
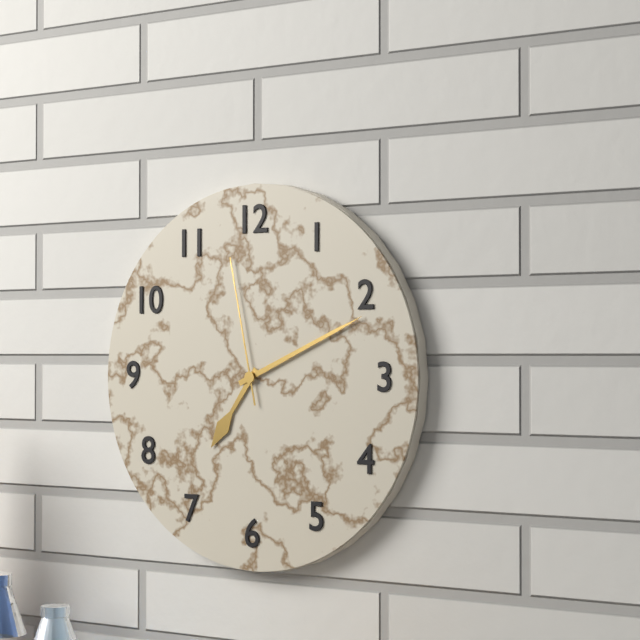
7:11:58
